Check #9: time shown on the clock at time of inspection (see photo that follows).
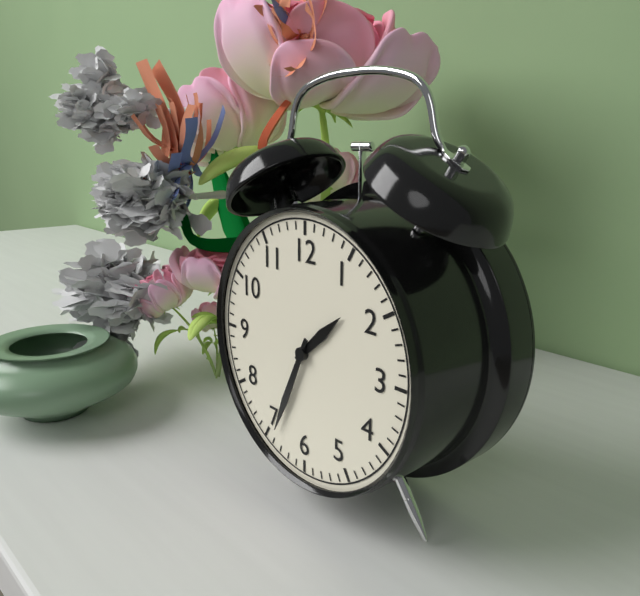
1:34
